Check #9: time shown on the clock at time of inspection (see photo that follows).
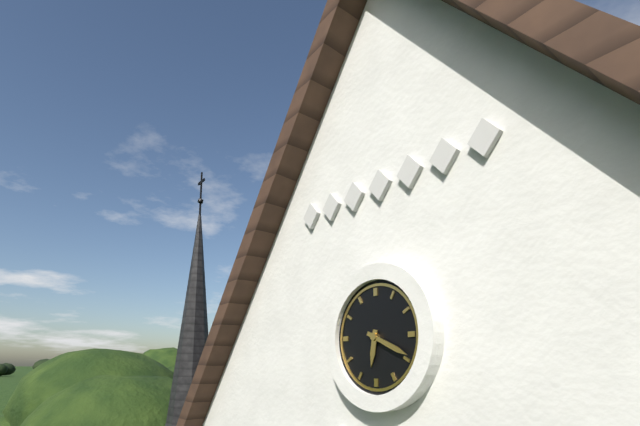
6:19
